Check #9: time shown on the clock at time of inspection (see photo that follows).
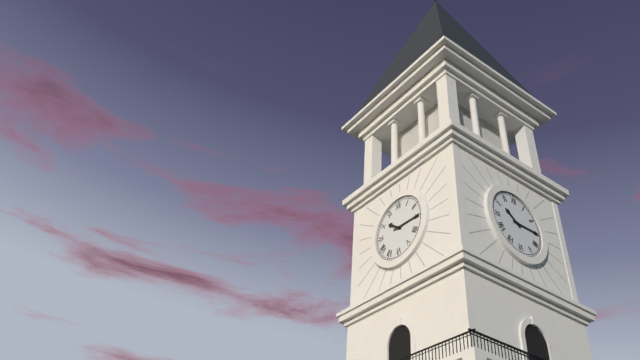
10:15
